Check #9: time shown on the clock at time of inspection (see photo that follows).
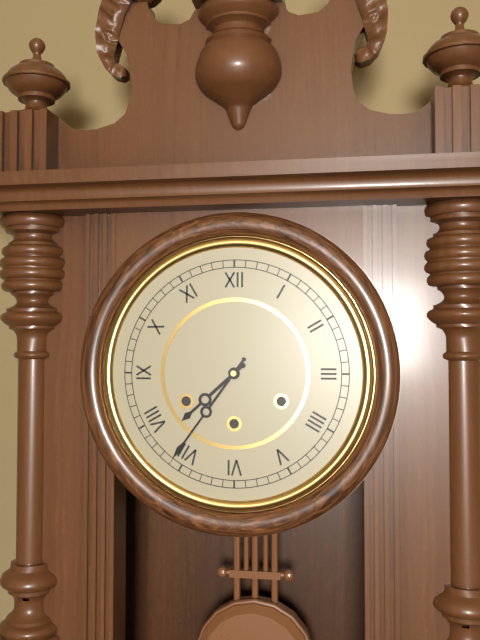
7:36
